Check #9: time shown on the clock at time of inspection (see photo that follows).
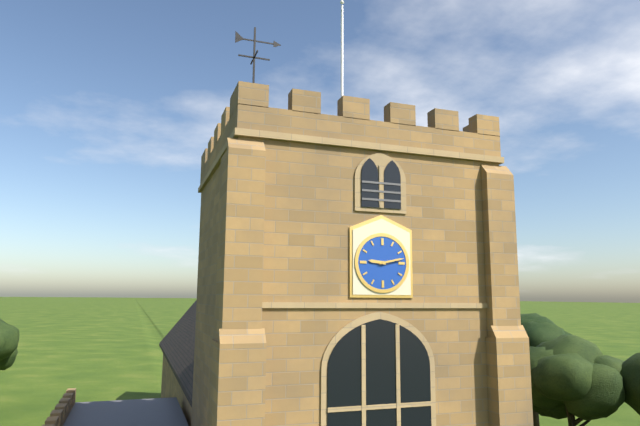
9:13
